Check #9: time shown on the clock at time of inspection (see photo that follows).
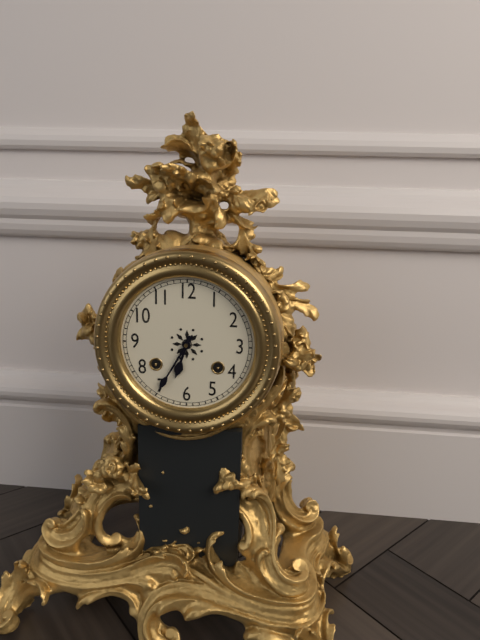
6:35
